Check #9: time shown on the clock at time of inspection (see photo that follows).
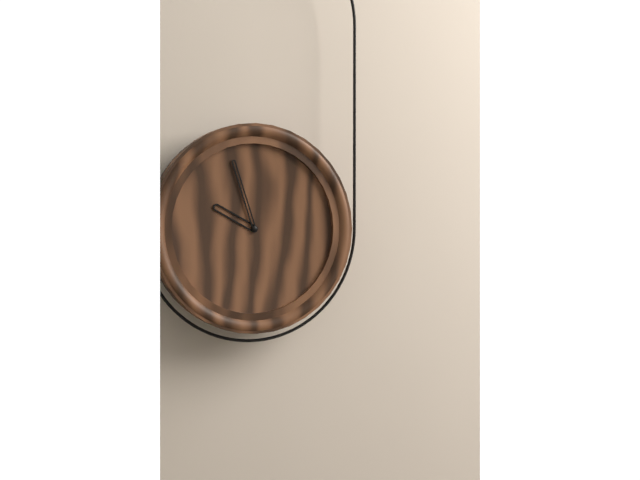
9:57
